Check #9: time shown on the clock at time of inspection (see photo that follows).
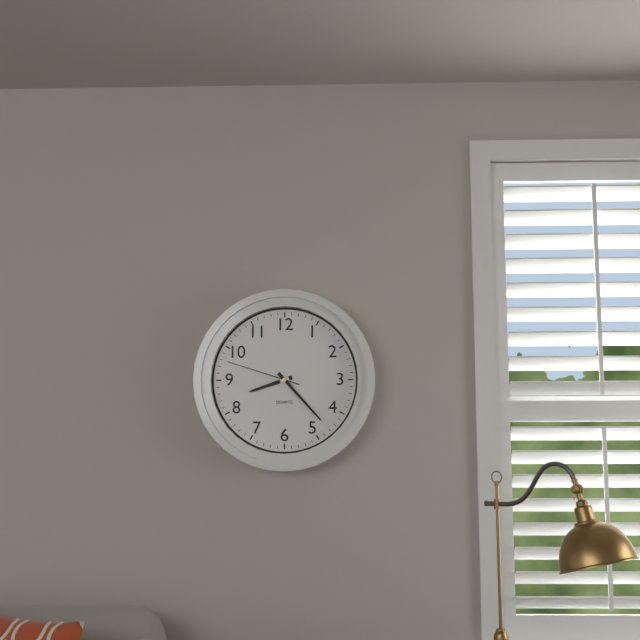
8:23:48
